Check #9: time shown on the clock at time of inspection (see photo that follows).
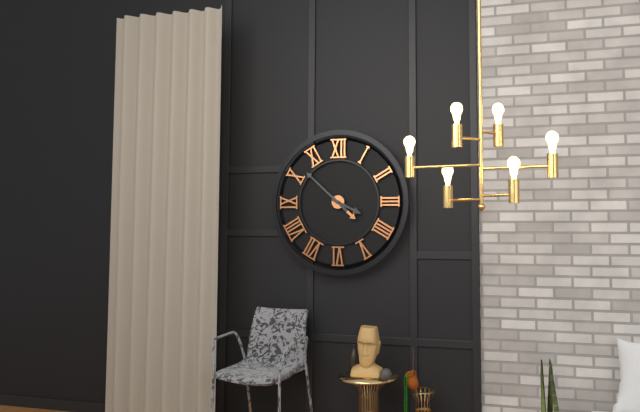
3:52
